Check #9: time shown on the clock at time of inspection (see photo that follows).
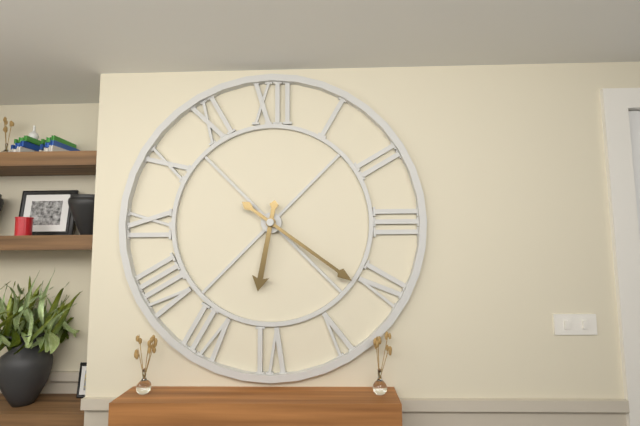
6:21
